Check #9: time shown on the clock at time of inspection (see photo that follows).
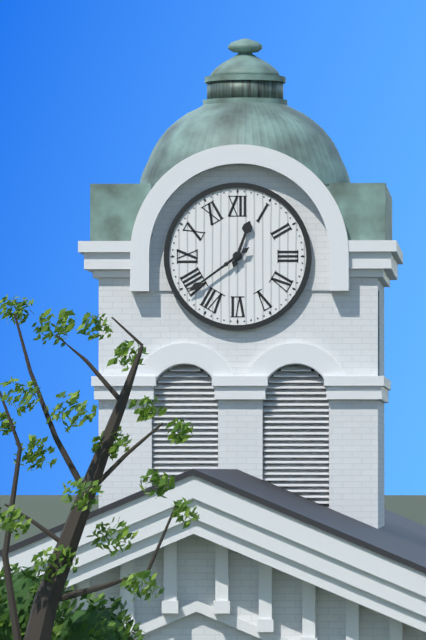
12:39
